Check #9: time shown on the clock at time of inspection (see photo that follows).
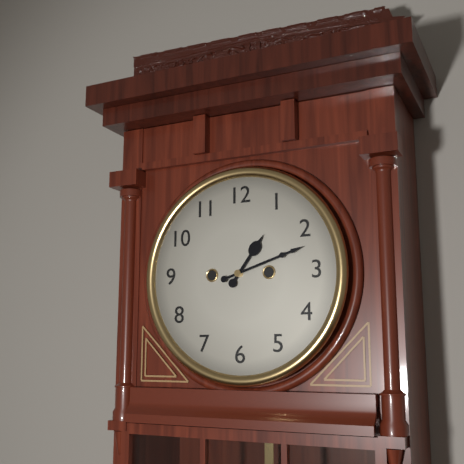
1:12
